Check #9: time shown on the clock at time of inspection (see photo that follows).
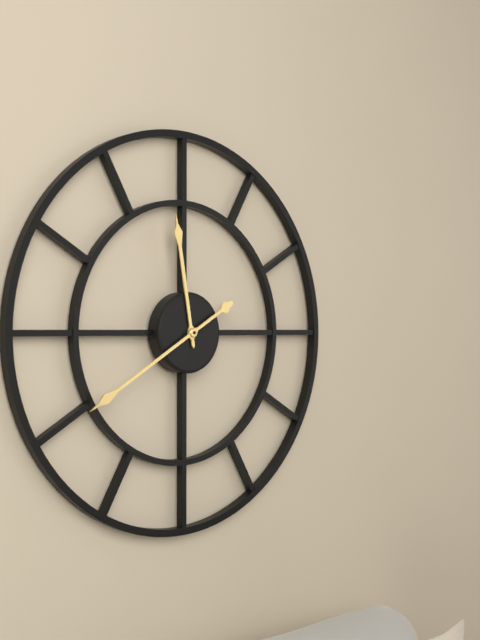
11:40
